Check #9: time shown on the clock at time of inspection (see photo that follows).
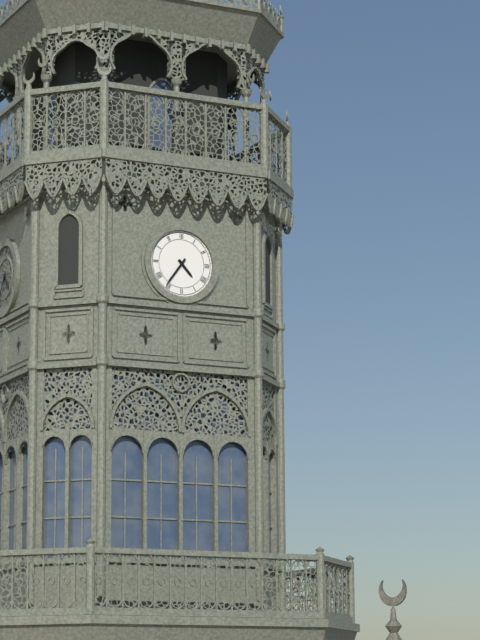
4:36
